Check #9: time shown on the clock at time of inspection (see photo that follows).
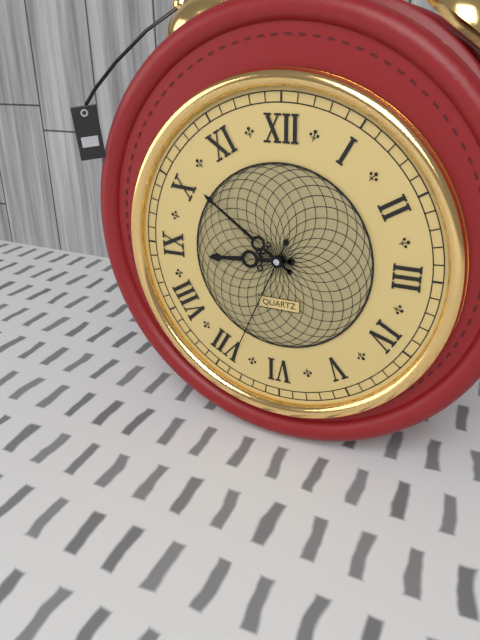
8:51:34
